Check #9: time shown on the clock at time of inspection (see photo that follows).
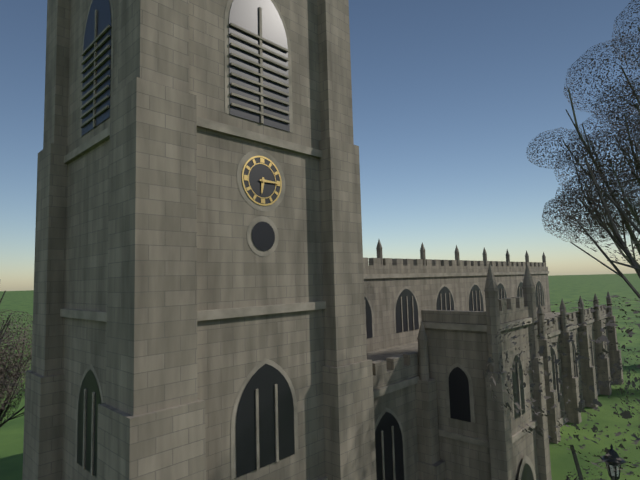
6:15
